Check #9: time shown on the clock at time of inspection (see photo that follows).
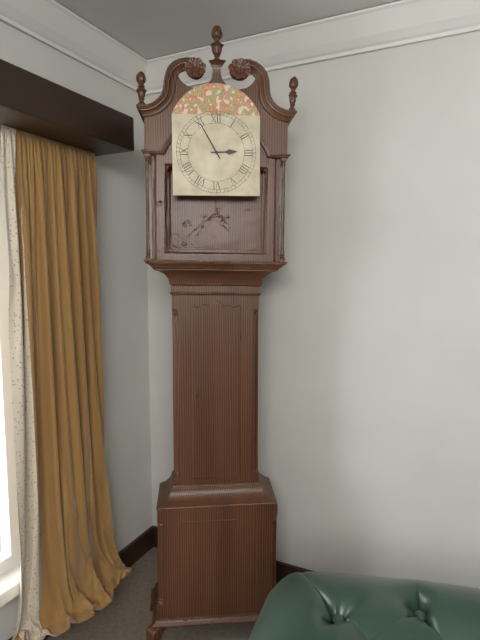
2:55
